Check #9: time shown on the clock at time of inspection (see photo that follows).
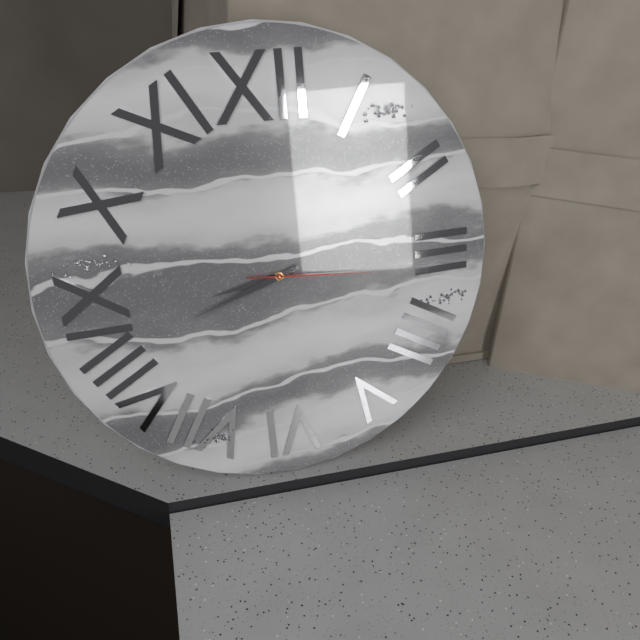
8:42:16
